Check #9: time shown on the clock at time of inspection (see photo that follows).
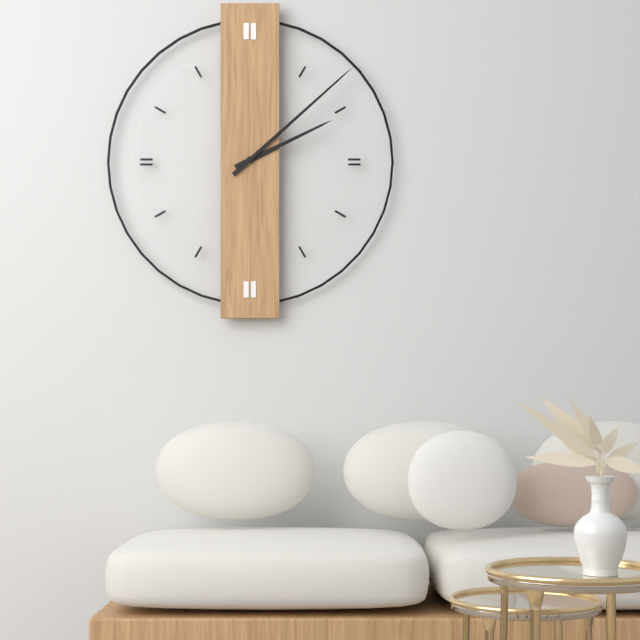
2:08
